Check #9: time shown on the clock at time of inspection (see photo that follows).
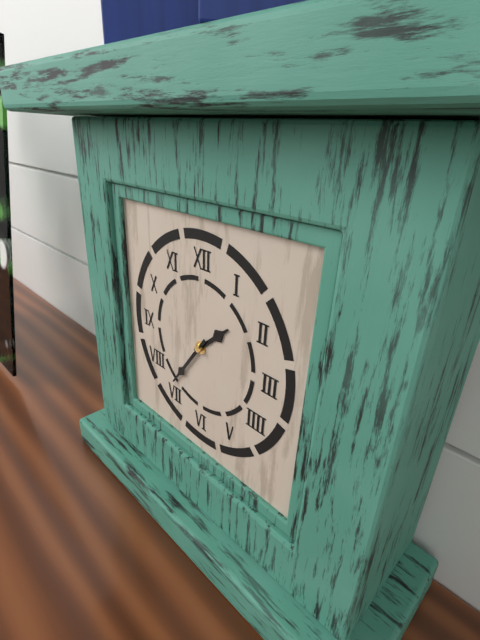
1:36
